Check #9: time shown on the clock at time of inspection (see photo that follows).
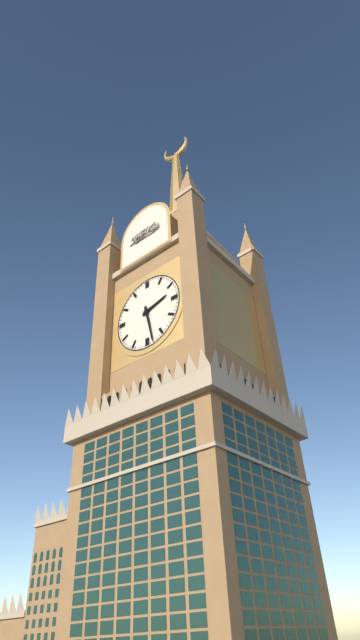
2:28
